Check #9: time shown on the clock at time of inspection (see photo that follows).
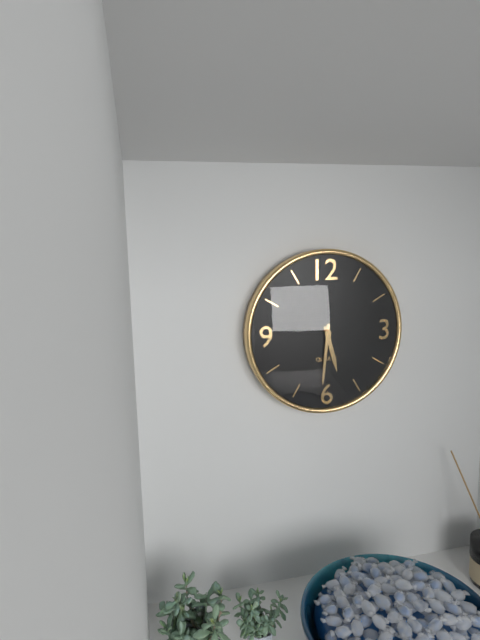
5:31
